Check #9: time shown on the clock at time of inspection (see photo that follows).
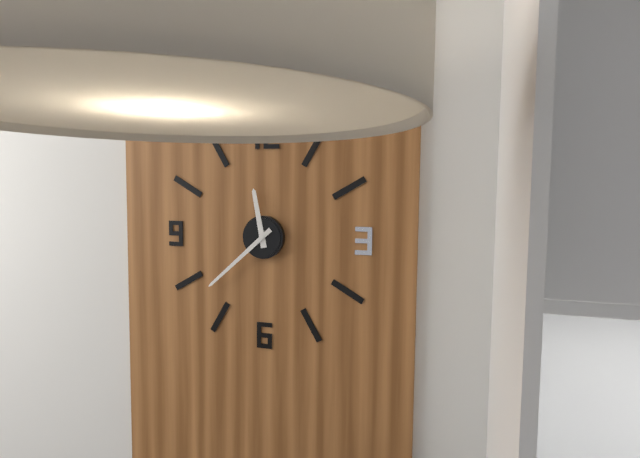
11:38
